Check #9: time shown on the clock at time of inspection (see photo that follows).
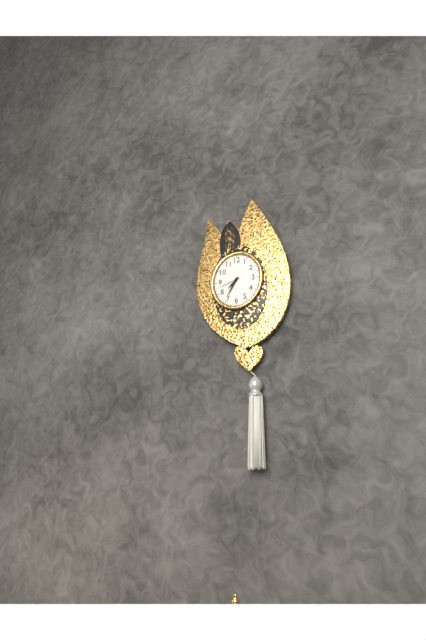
7:35
